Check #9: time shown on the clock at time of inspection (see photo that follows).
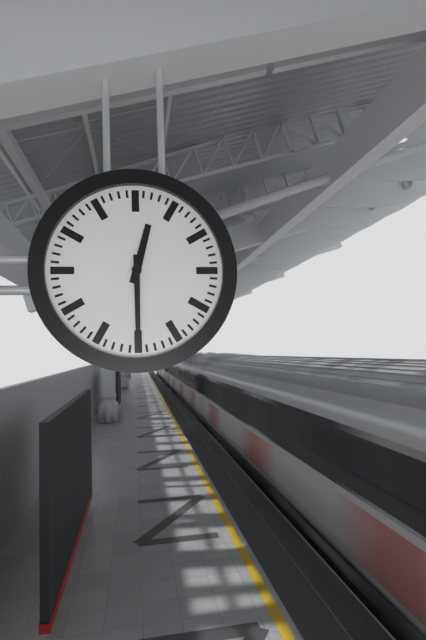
12:30
